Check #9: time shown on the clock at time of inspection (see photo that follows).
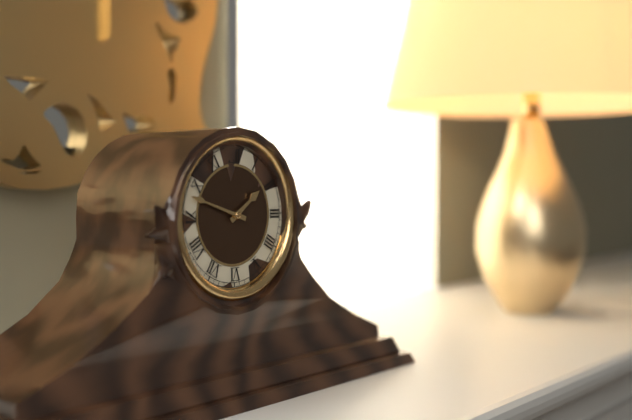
1:48
